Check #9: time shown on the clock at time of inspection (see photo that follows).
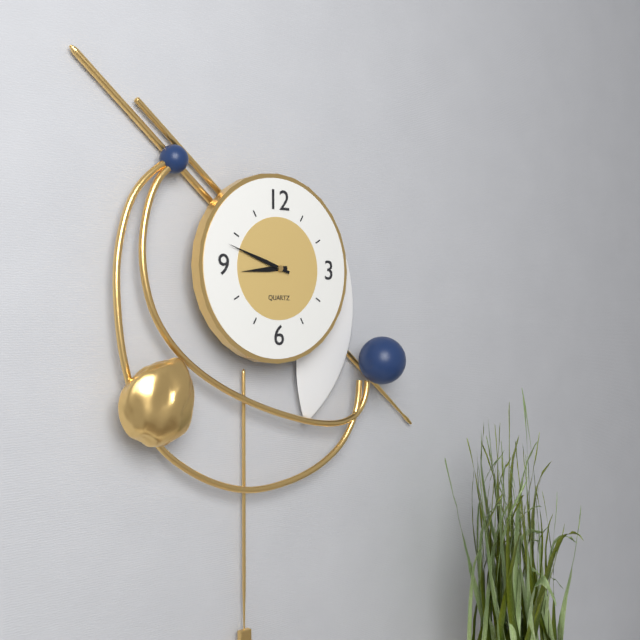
8:48
